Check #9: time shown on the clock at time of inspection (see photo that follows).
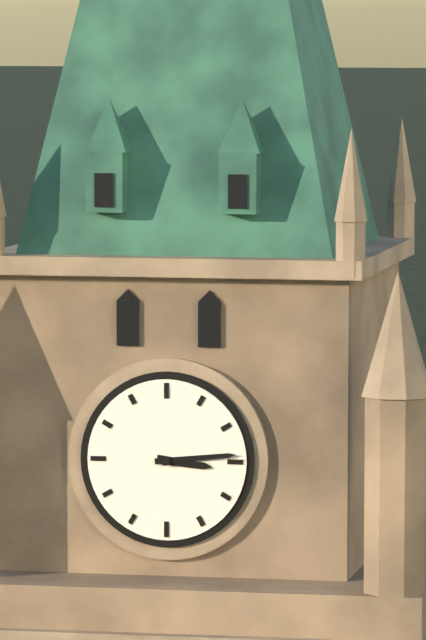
3:14
